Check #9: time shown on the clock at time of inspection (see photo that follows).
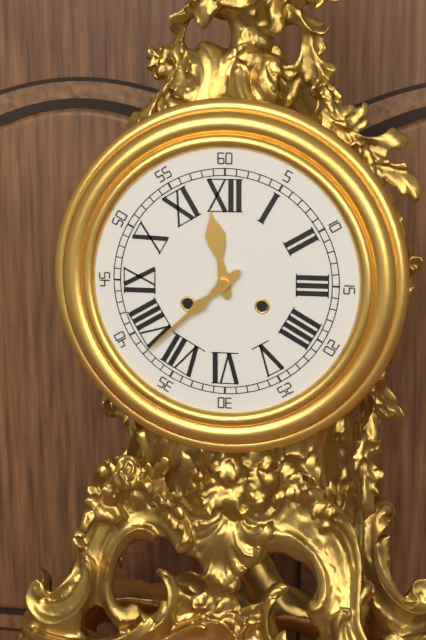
11:38
